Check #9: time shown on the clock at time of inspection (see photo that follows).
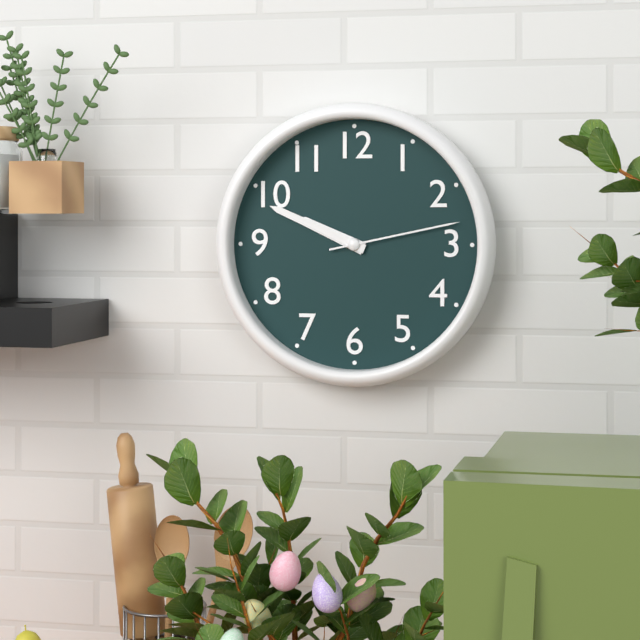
9:49:13
